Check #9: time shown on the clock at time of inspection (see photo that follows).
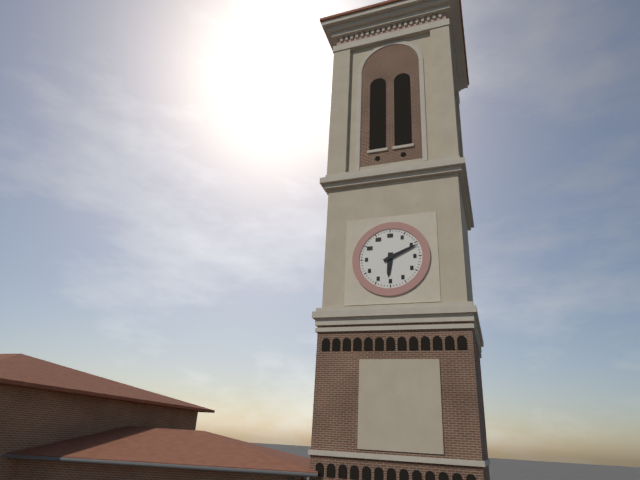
6:11
